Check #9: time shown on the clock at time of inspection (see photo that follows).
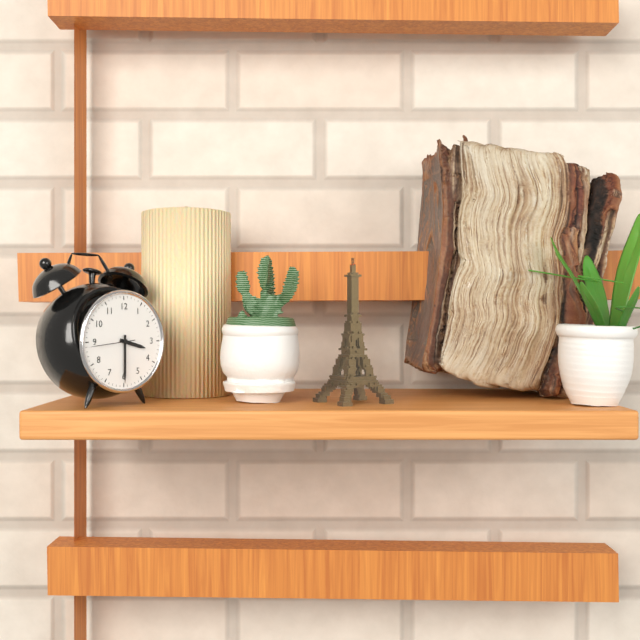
3:30
